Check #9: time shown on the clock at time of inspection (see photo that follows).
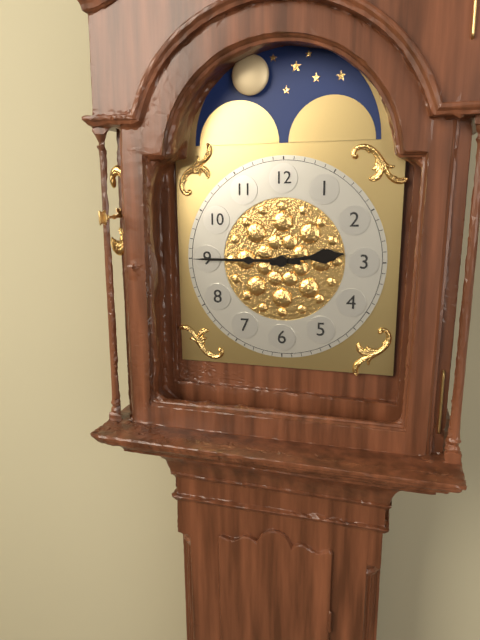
2:45
